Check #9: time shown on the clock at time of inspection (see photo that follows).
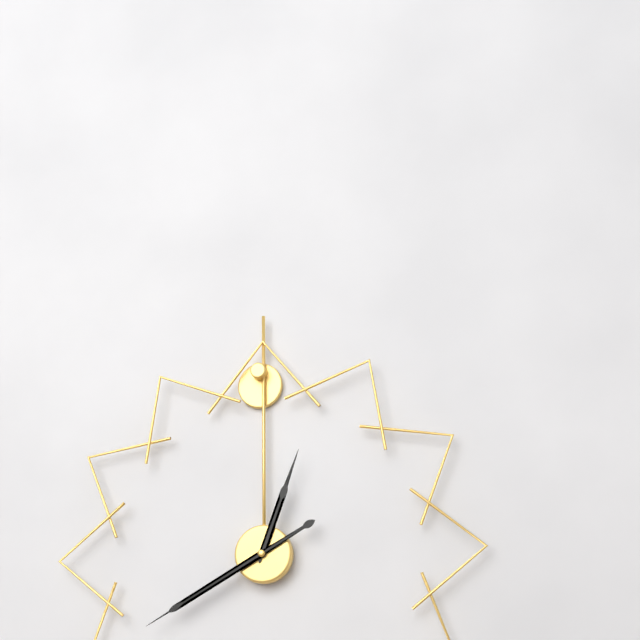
12:40
